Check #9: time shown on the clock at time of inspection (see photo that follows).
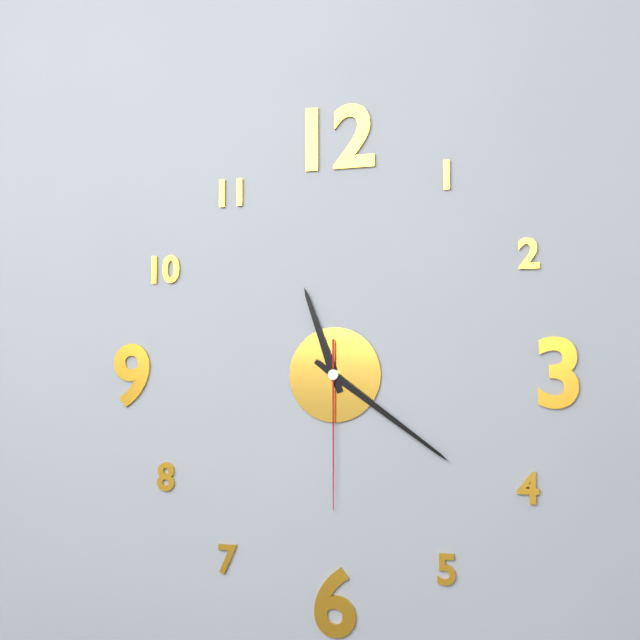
11:21:30
